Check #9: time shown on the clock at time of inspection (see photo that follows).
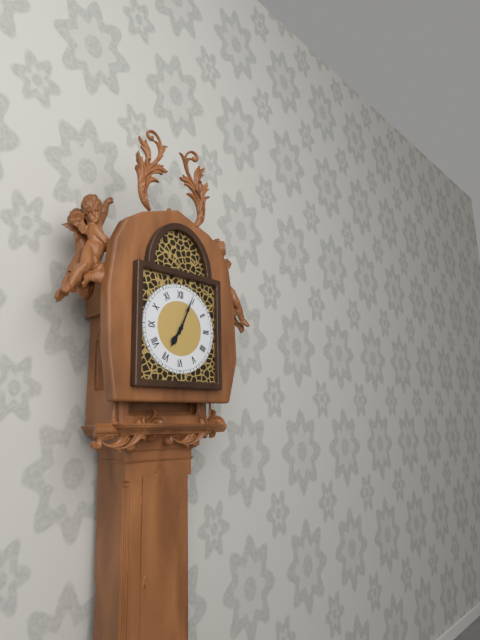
7:04
